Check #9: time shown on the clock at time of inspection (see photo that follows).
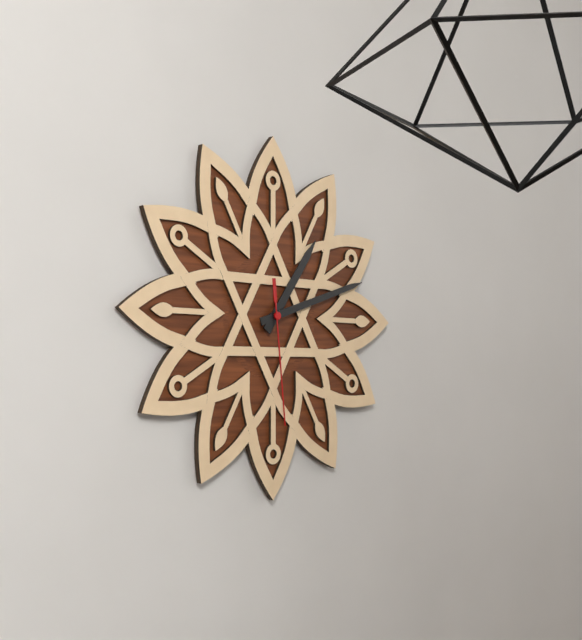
1:12:29
